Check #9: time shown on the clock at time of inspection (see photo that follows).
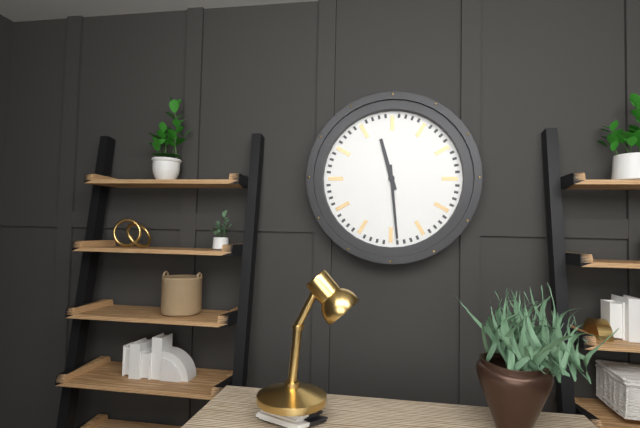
11:29
